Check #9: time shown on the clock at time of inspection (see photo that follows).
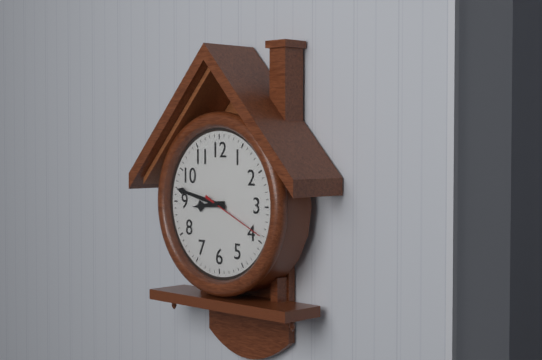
8:47
